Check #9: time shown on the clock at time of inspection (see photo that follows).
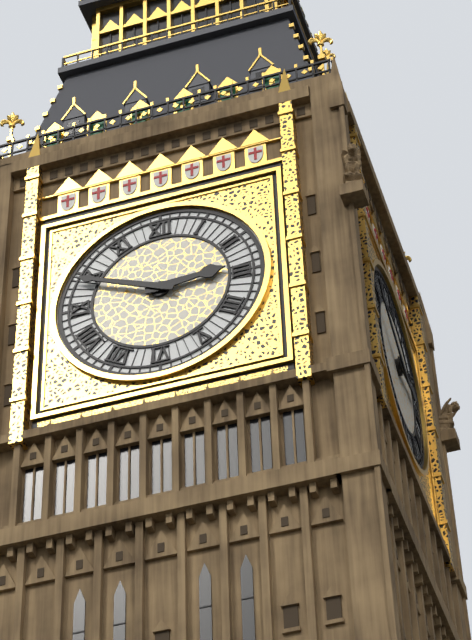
2:49
